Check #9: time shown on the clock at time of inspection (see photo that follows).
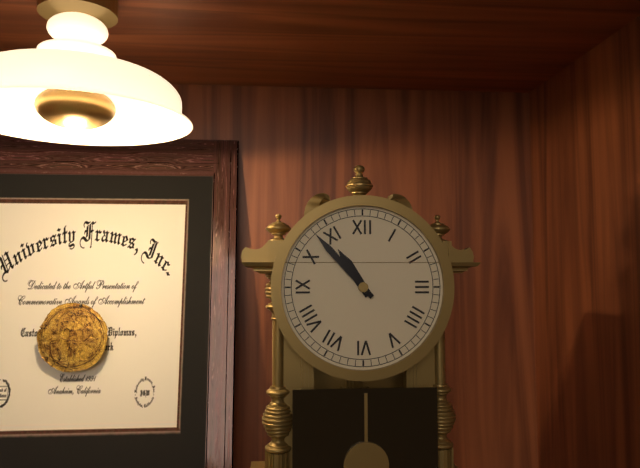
10:53
